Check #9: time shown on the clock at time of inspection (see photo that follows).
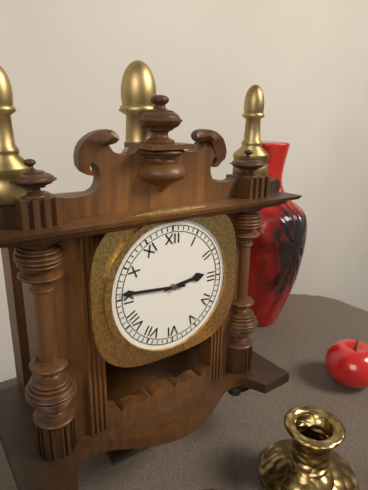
2:46
